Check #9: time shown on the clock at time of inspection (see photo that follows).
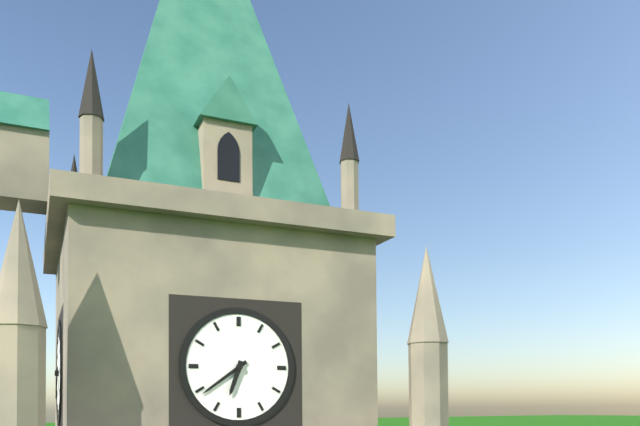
6:39
